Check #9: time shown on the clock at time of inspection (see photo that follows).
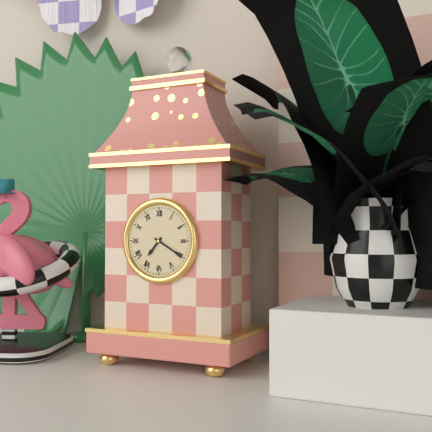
7:20
